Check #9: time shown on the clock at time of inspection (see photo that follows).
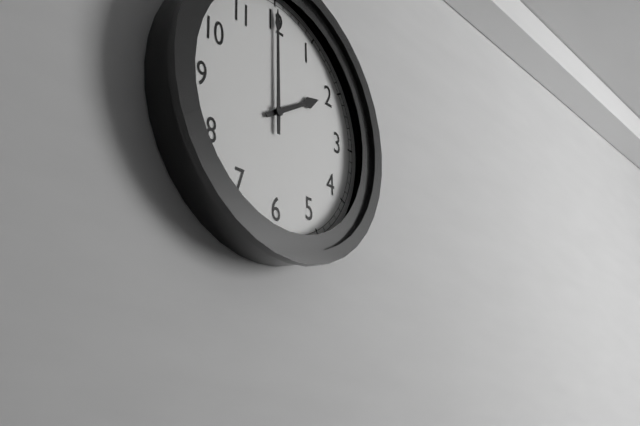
2:00
